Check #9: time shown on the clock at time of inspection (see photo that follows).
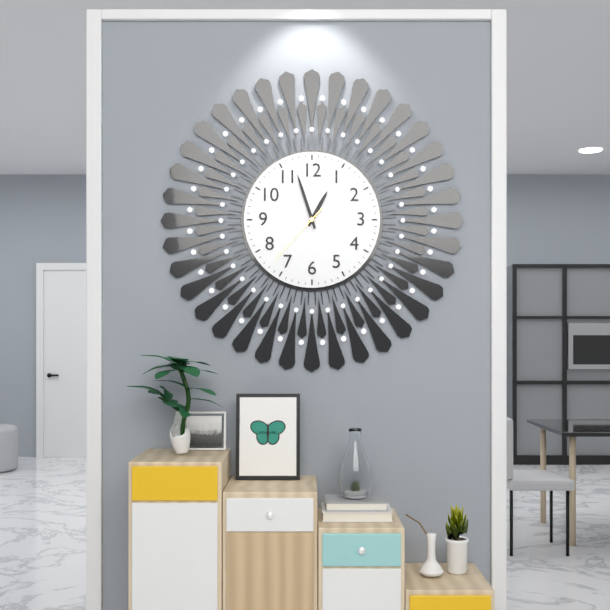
12:57:37
